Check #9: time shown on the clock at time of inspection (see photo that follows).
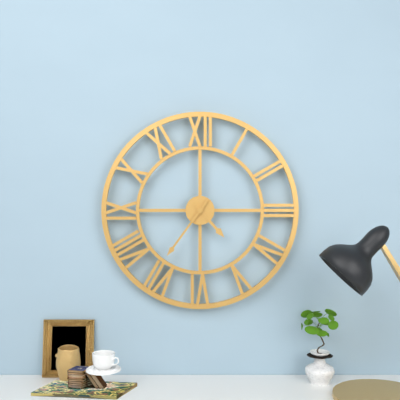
4:36
